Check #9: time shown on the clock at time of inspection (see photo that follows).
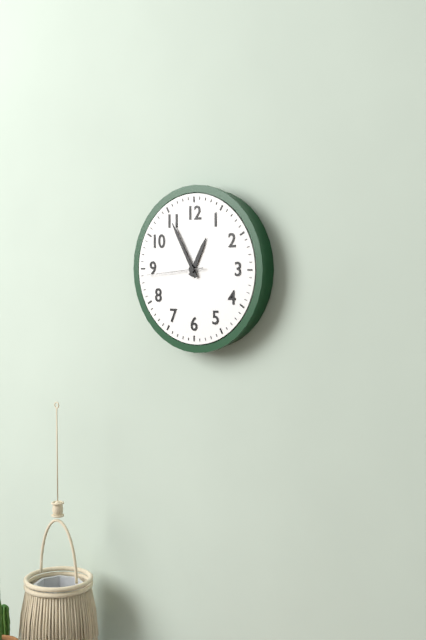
12:55:44
